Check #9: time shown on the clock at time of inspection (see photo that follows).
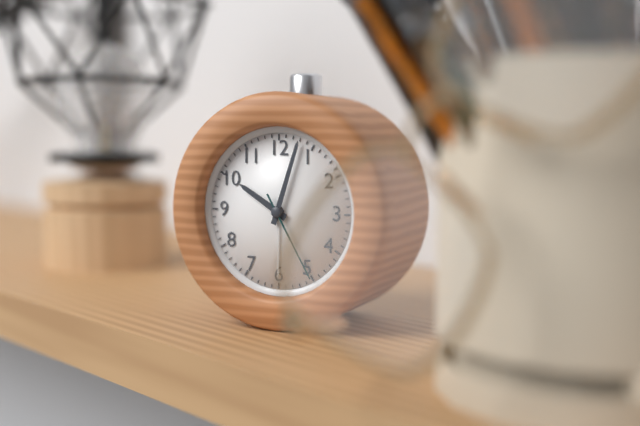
10:03:25
